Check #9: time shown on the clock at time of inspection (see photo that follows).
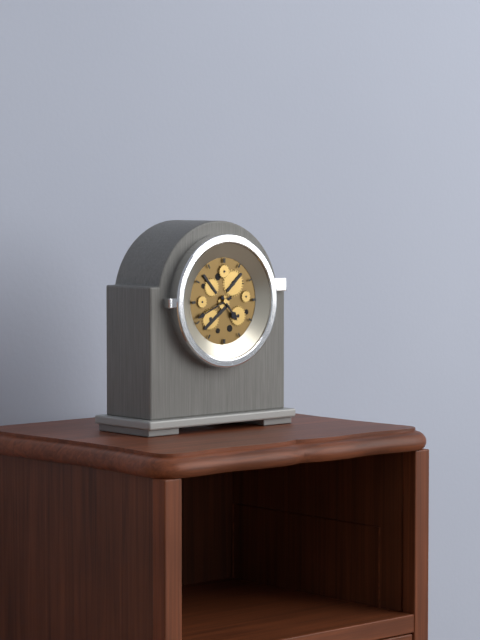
4:41
